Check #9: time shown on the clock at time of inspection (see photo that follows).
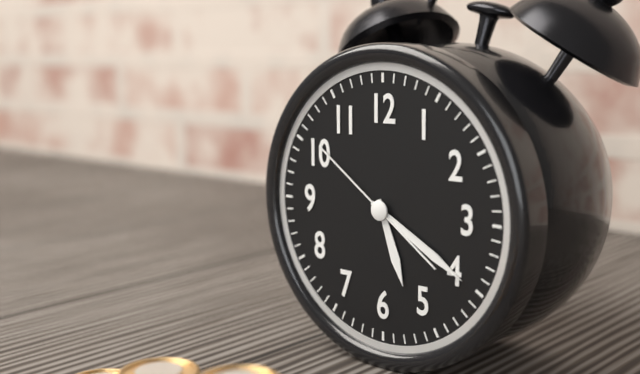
5:20:51
